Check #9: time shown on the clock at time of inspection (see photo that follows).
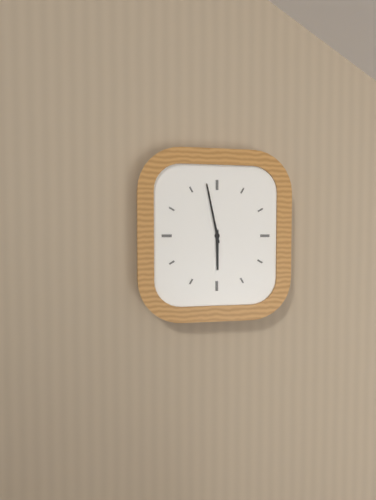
5:58
